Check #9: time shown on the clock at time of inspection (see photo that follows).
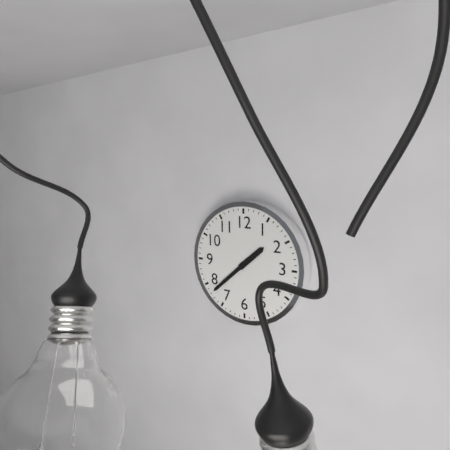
1:38
